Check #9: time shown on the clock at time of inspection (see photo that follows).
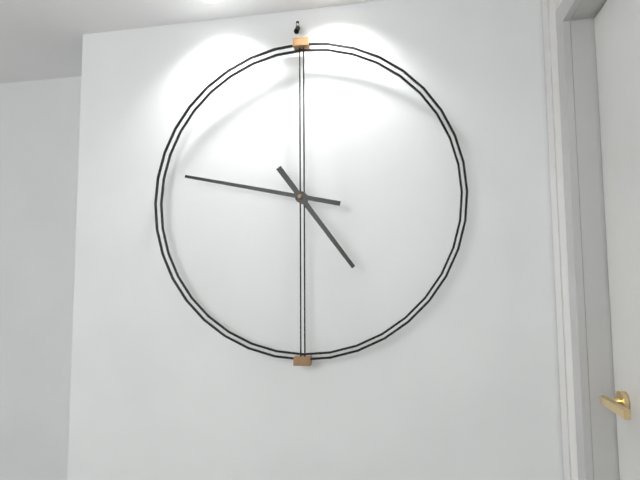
4:47
